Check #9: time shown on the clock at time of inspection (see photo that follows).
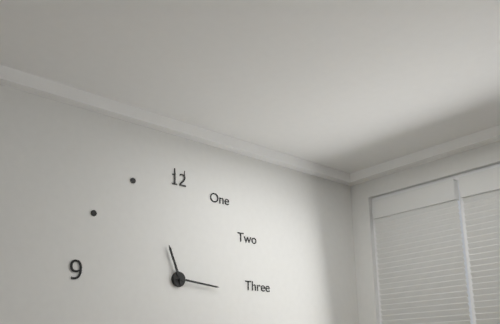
11:16
